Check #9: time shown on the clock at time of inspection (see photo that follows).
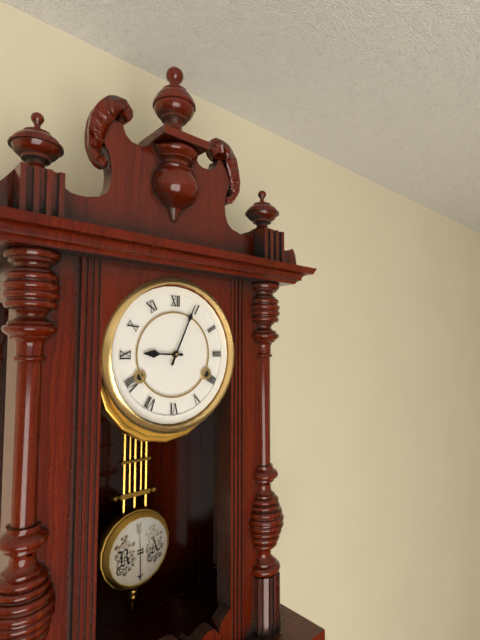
9:04
